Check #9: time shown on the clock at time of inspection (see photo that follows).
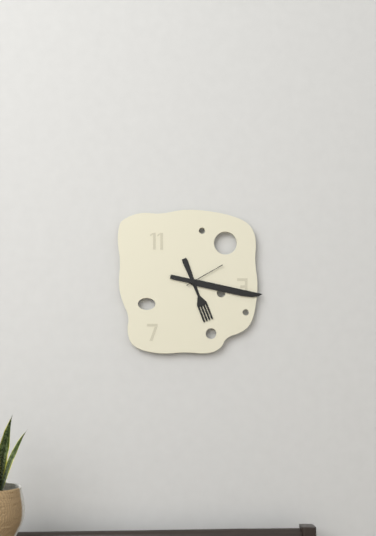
5:17
